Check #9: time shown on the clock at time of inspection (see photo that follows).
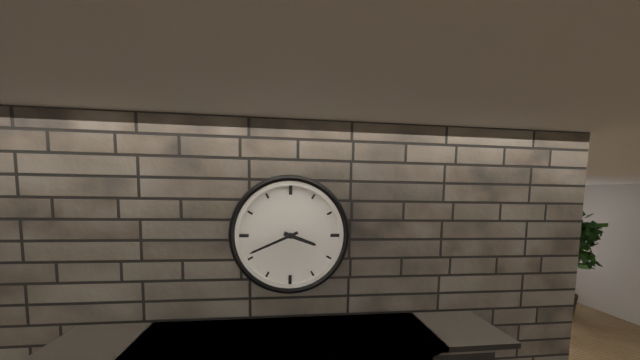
3:41
